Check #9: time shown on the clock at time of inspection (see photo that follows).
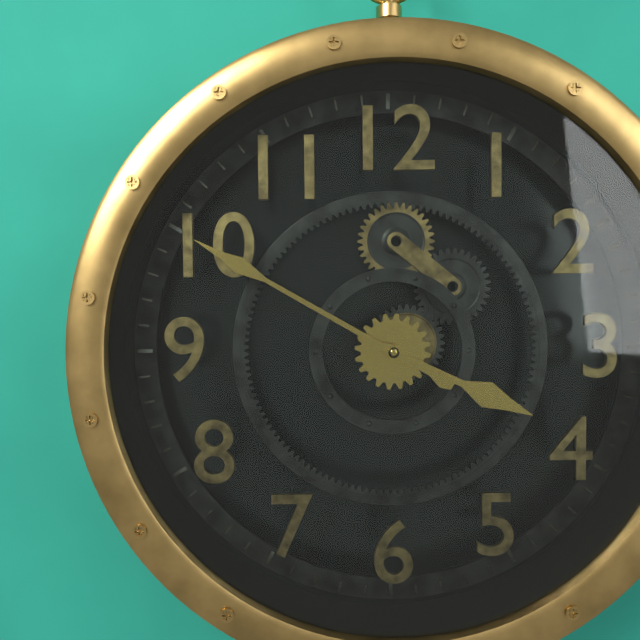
3:50
